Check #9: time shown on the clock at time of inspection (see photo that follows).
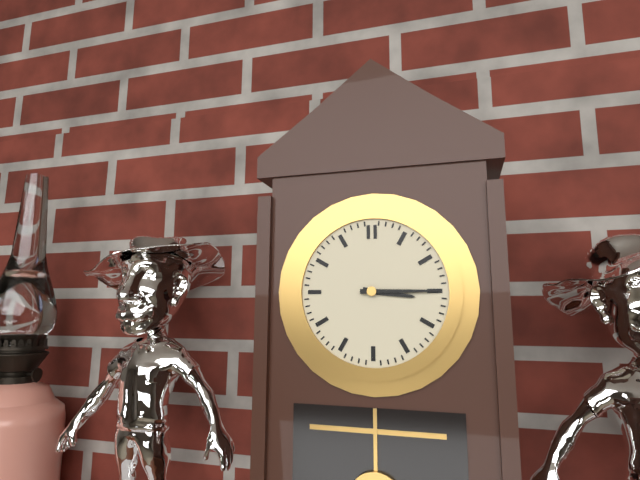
3:15
